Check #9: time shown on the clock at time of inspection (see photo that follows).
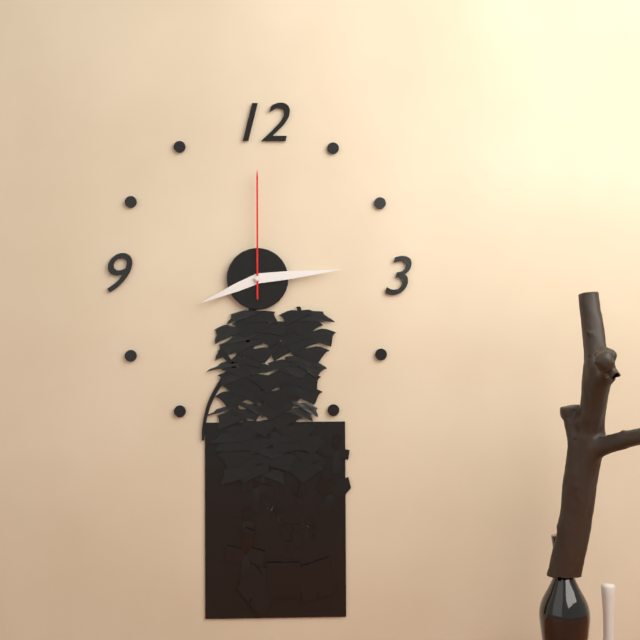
8:14:00
